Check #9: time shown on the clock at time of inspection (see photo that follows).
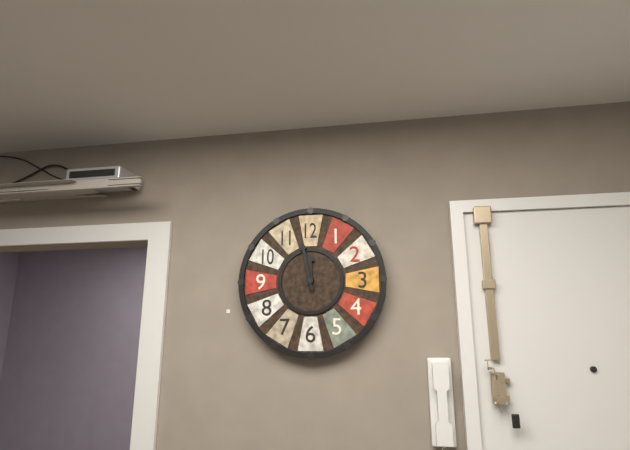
11:58
